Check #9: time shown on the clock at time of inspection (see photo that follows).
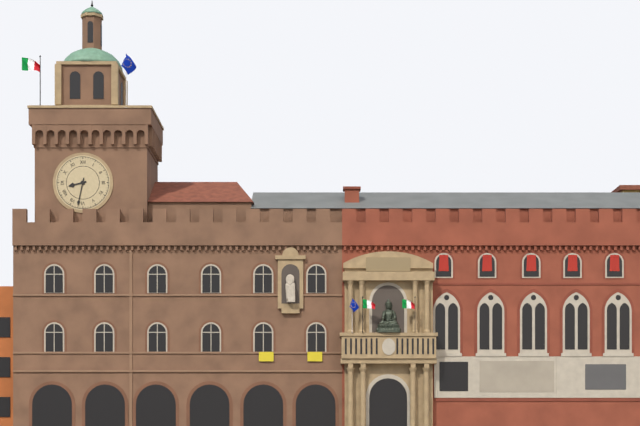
8:32
